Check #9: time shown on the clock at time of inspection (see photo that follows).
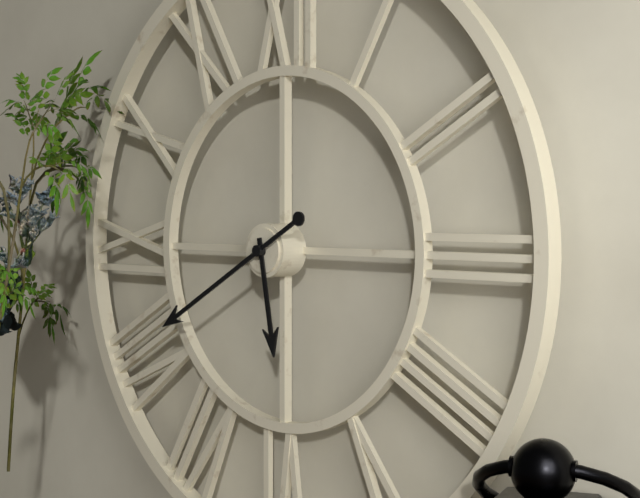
5:40
